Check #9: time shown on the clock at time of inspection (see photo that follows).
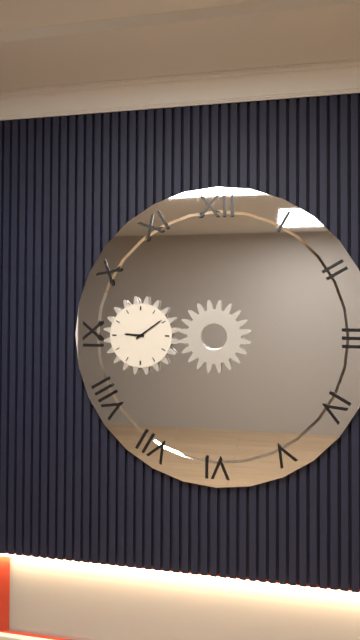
9:09
